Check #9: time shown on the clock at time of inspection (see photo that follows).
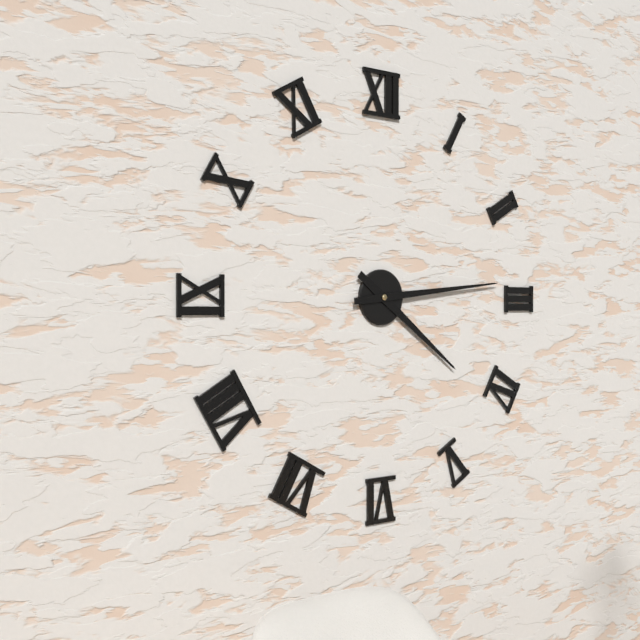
4:14
